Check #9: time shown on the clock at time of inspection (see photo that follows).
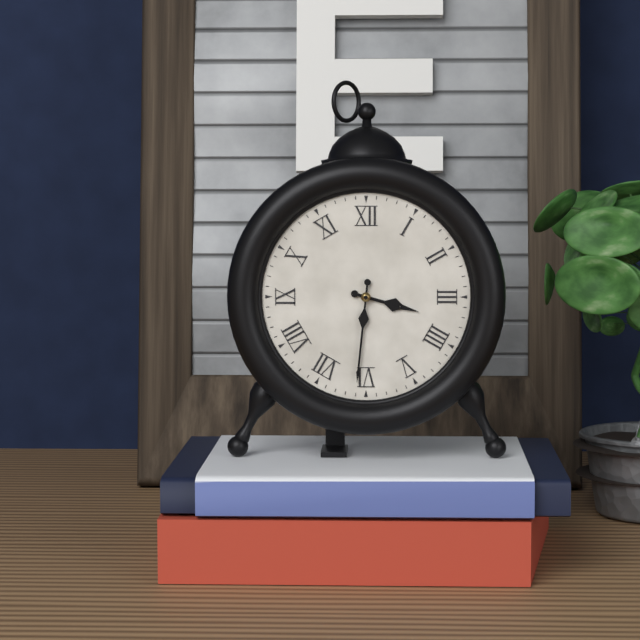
3:31
